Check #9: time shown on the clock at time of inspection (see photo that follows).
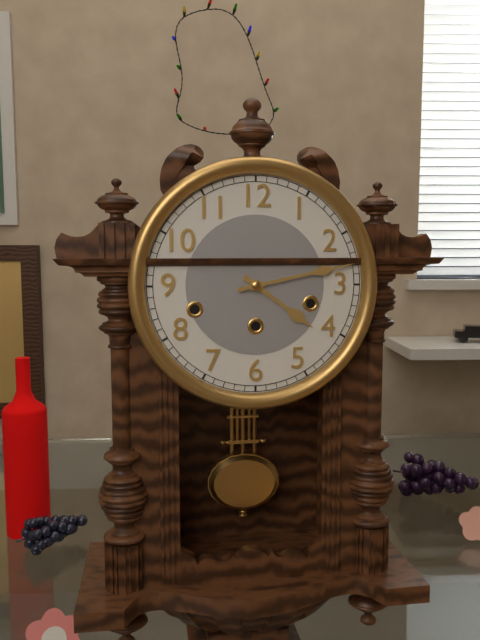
4:13
